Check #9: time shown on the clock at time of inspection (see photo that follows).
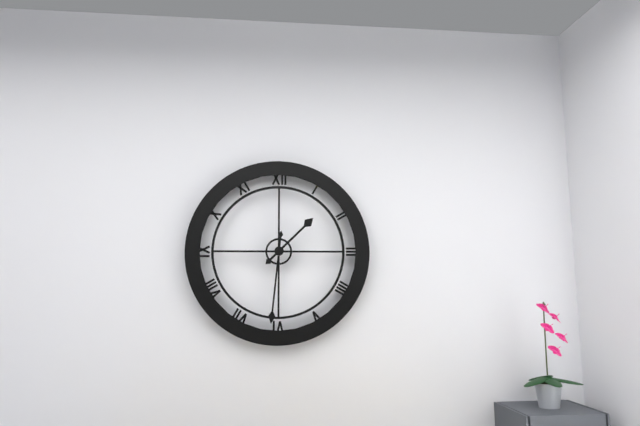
1:31
